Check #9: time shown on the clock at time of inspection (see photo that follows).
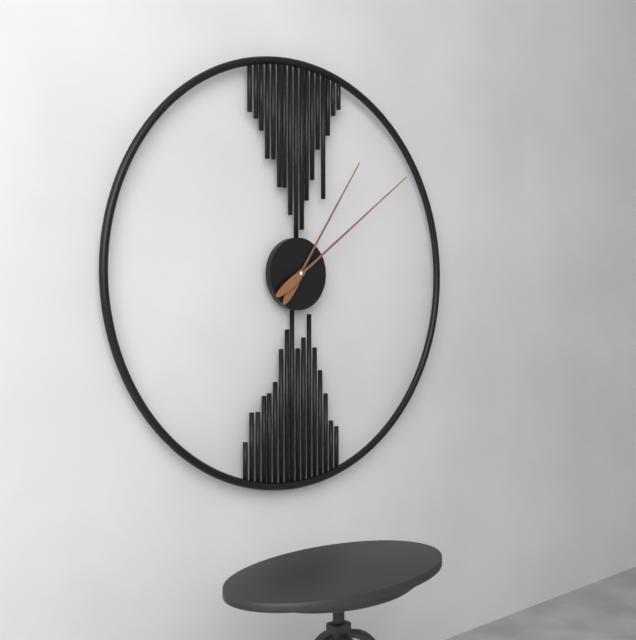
1:09
